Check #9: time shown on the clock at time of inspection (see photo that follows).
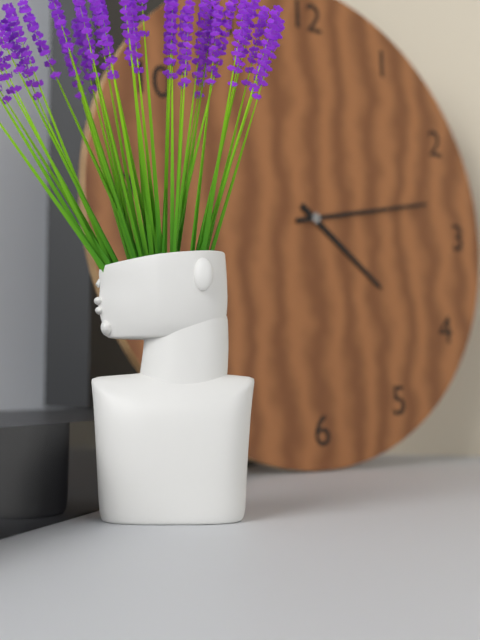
4:13
